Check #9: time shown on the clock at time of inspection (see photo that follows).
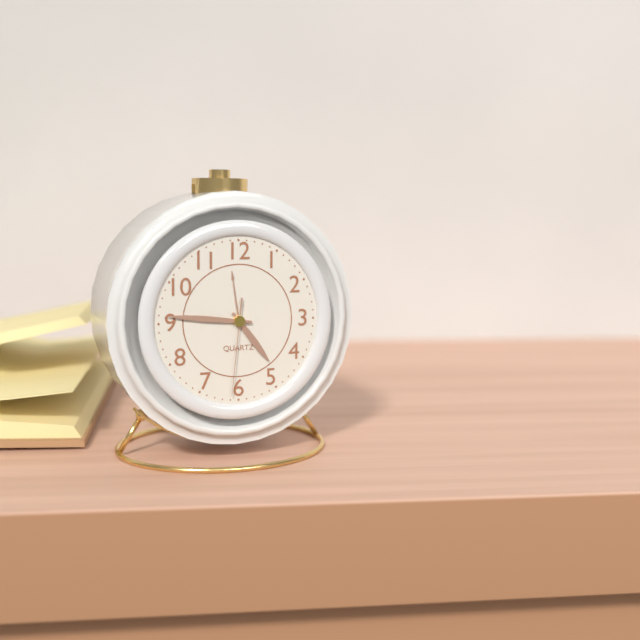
4:46:31
